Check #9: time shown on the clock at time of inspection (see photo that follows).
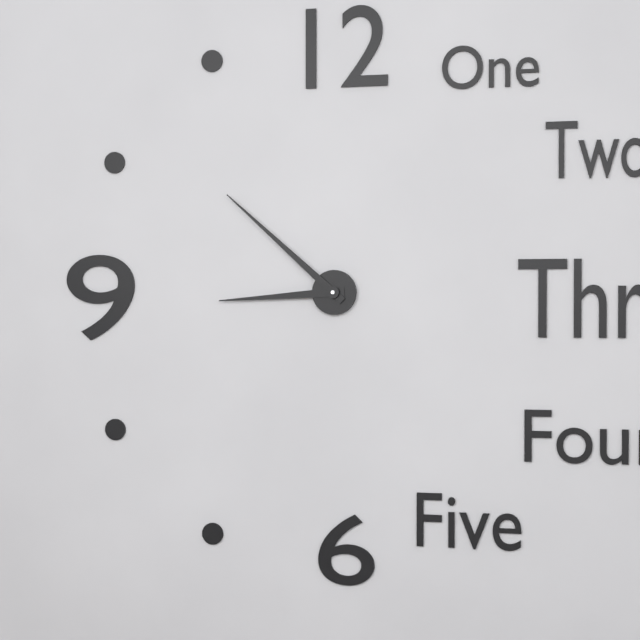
8:52
